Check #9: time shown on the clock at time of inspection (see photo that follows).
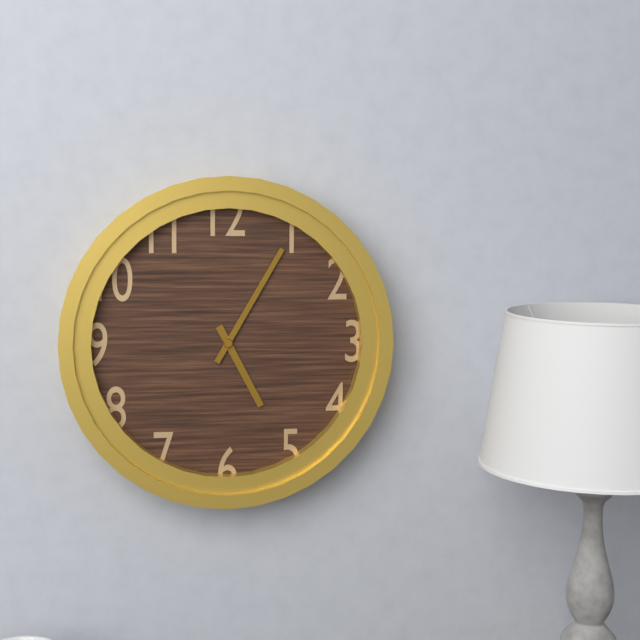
5:05
